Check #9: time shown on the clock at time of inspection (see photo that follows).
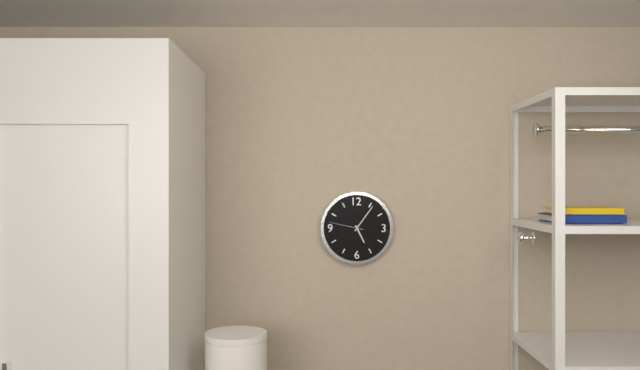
5:06
